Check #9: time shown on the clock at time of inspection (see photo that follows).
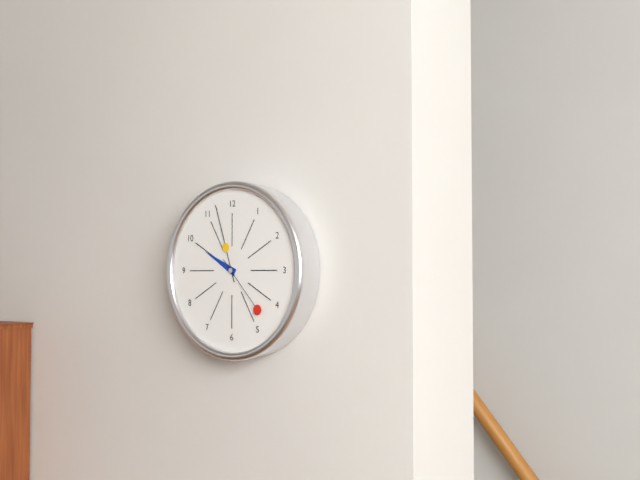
9:57:23
